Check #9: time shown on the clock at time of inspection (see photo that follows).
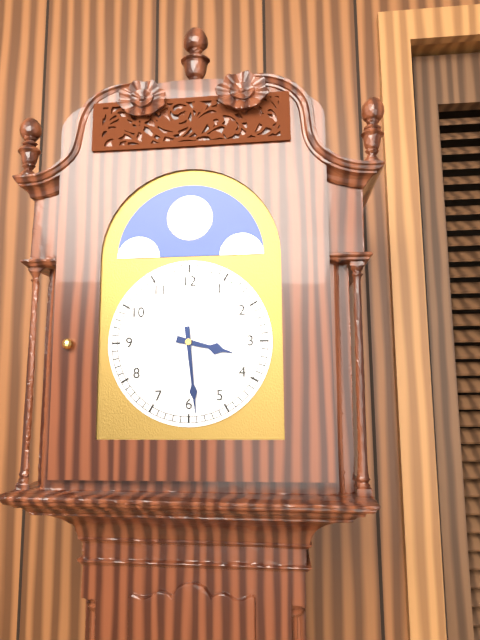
3:29
